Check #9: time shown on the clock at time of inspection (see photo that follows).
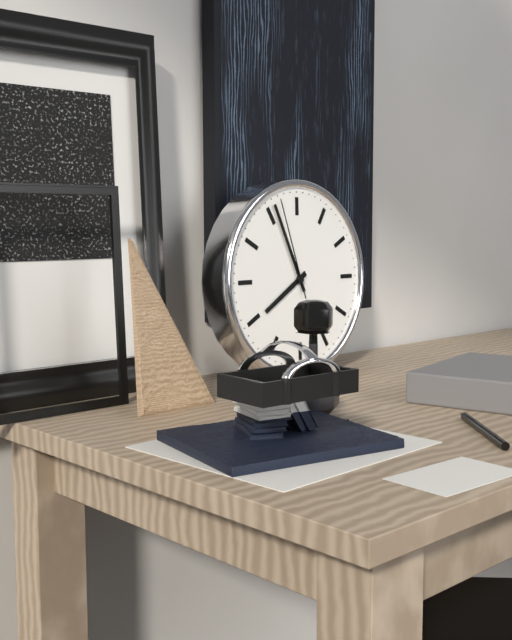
7:56:57
